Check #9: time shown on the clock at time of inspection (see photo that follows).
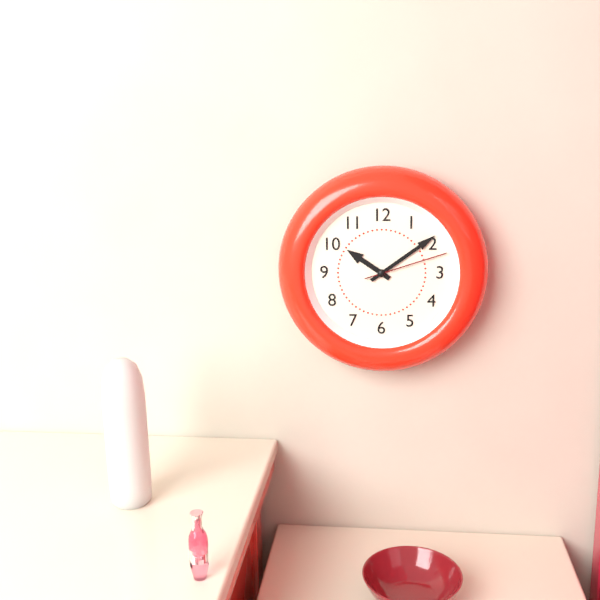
10:09:12
